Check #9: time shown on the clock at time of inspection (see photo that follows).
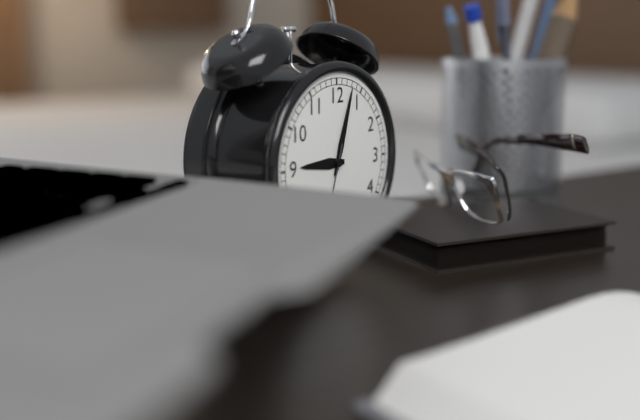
9:03
